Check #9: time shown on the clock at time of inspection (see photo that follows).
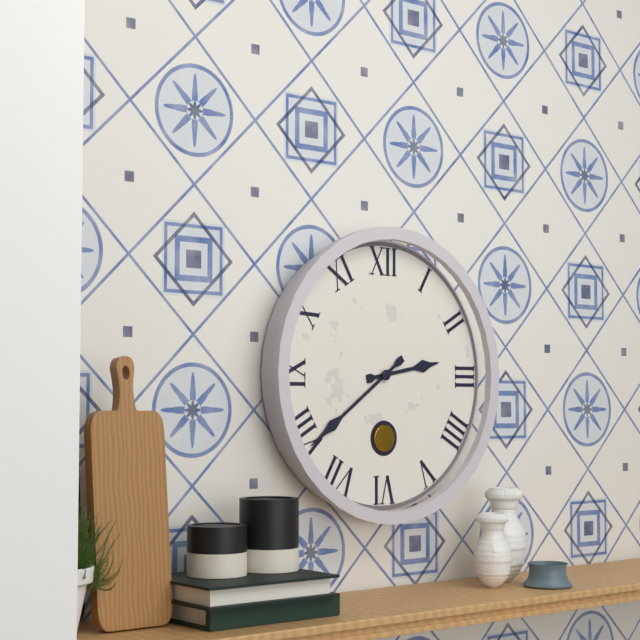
2:39
